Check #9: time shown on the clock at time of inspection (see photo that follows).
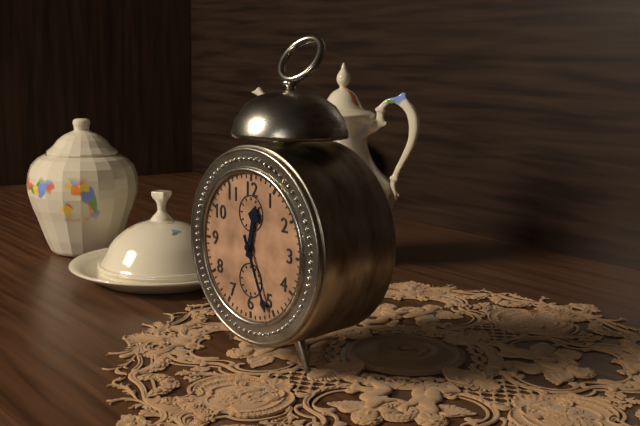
12:26
